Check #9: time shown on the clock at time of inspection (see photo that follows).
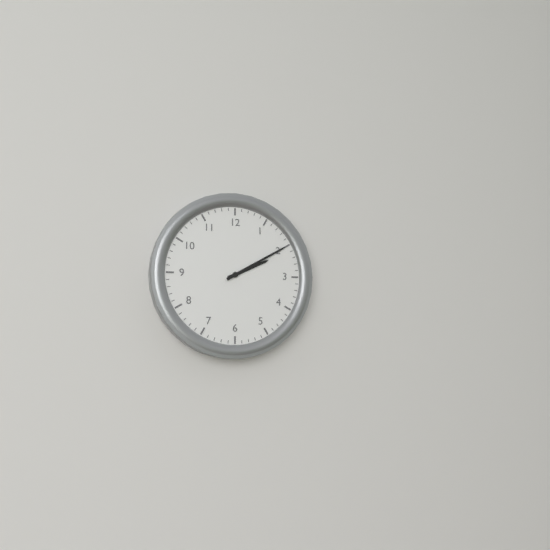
2:10
